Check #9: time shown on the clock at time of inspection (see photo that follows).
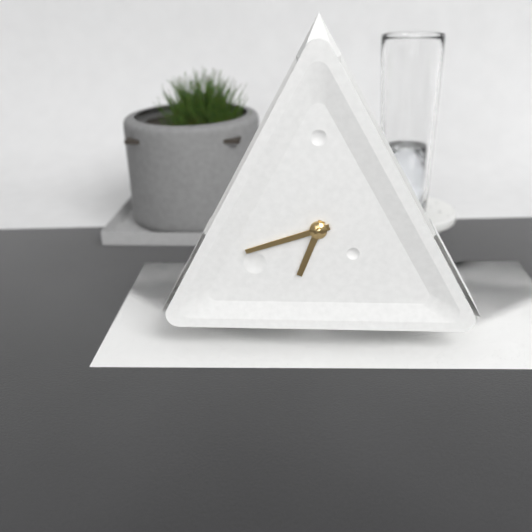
6:42
